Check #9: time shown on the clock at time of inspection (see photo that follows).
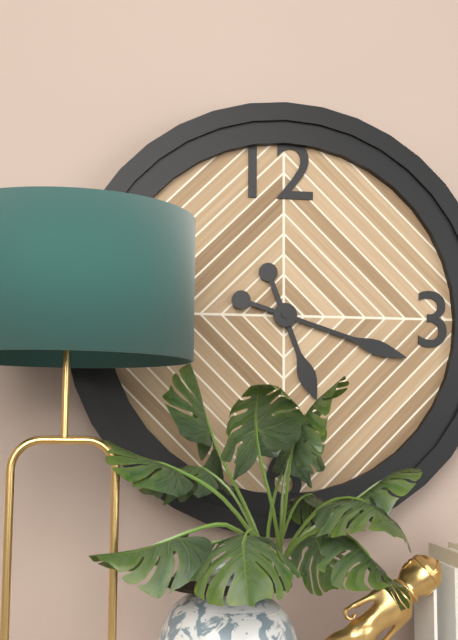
5:18
